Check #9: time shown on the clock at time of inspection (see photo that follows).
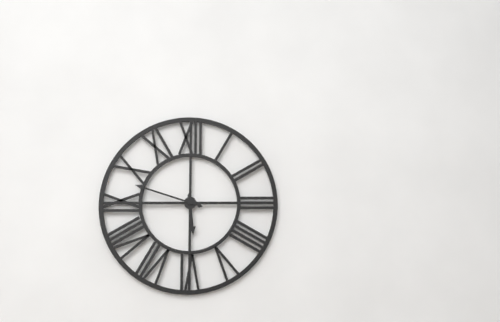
5:48
